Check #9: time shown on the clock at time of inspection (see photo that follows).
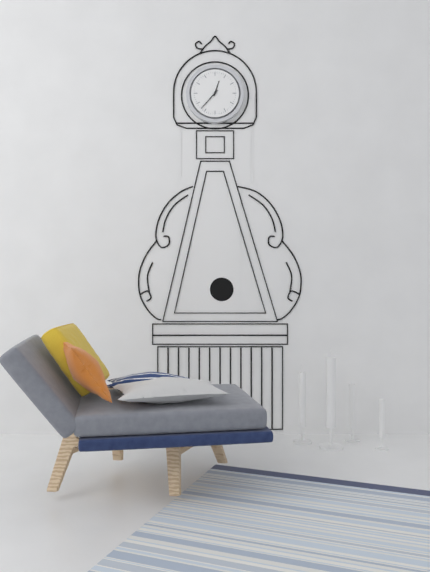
12:37
